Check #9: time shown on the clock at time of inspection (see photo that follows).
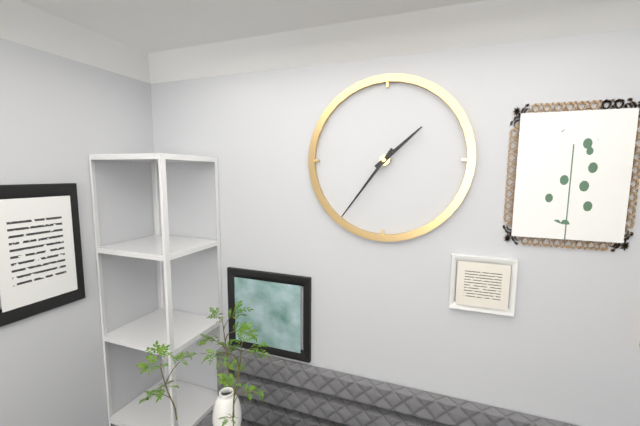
1:36
